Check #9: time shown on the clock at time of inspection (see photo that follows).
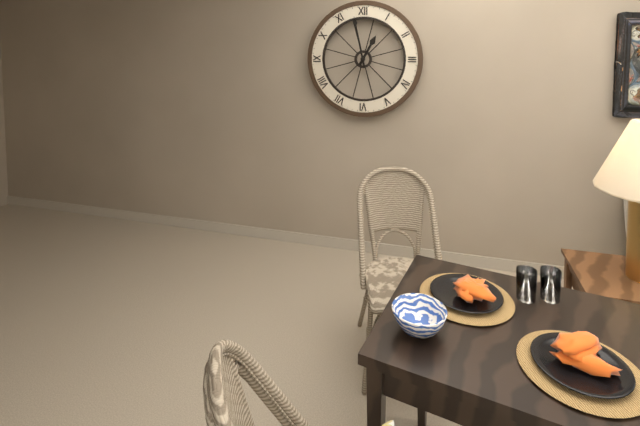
12:58
